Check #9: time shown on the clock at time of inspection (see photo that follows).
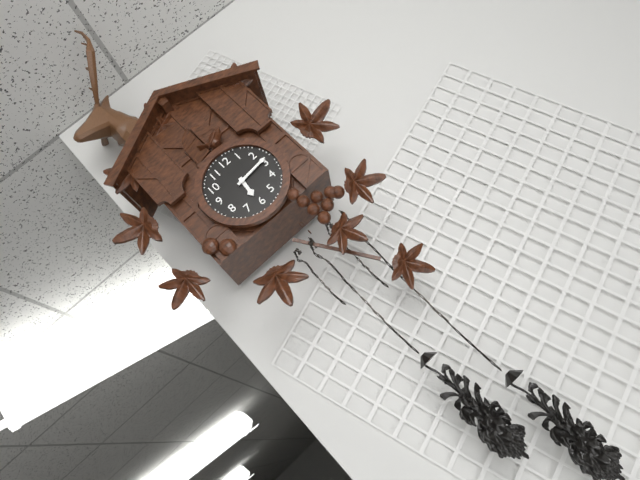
6:14
